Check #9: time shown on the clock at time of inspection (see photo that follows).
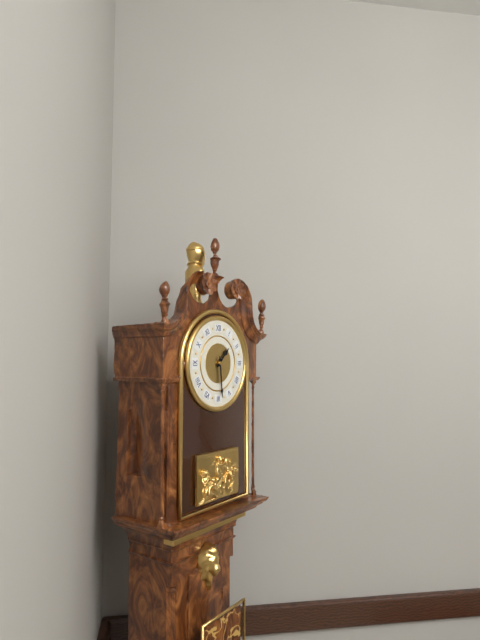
1:29
